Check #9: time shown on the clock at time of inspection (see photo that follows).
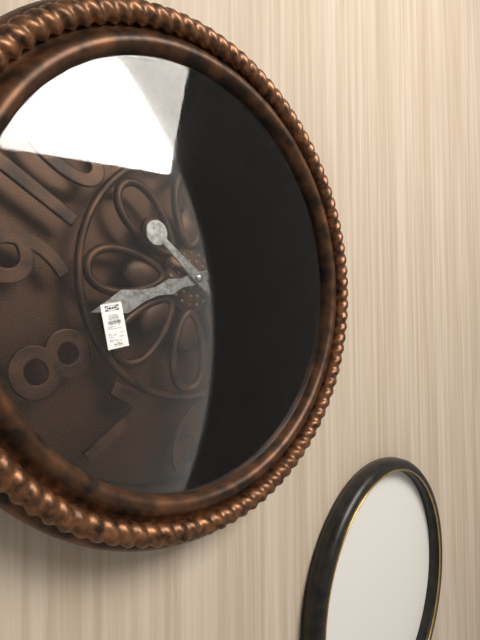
8:21
